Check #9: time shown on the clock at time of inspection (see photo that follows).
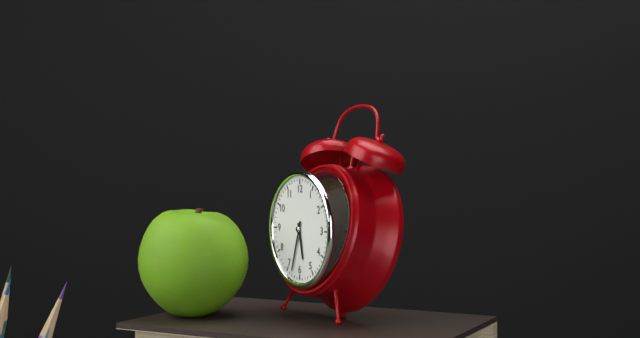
5:33
